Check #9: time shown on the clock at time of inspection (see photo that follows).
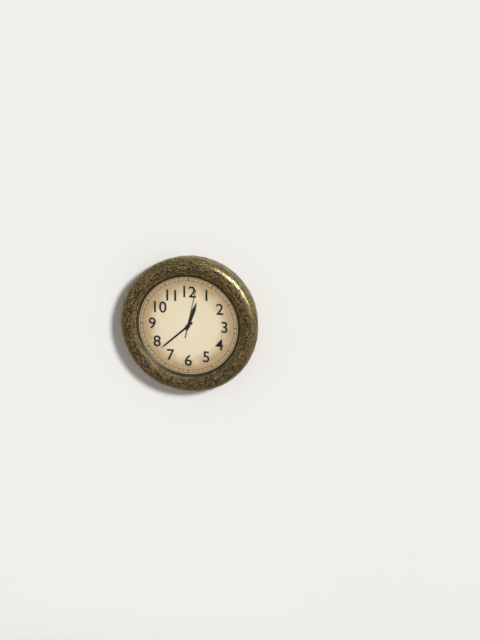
12:38
